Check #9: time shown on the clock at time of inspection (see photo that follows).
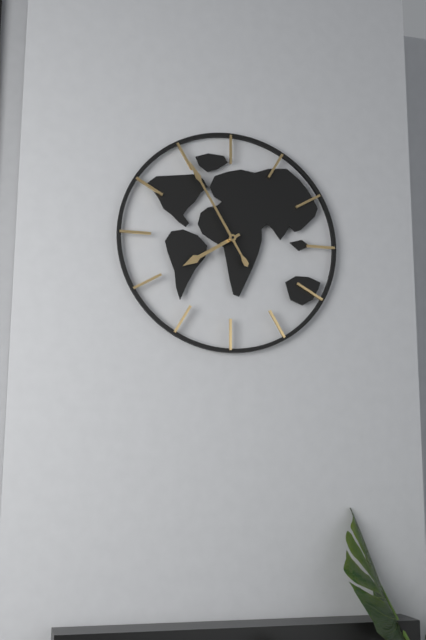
7:55
